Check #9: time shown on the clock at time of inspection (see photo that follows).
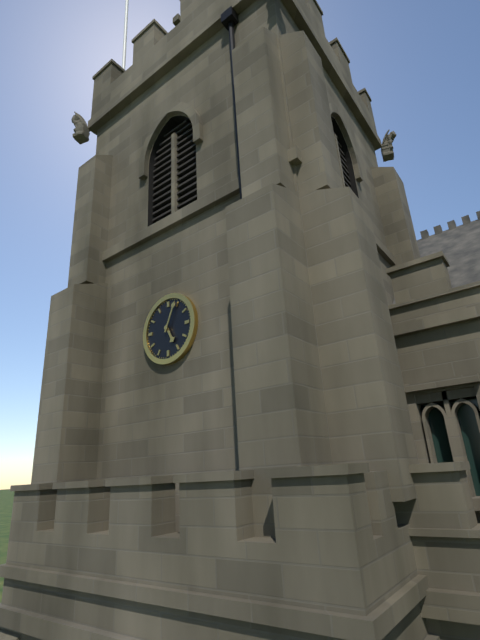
5:04
